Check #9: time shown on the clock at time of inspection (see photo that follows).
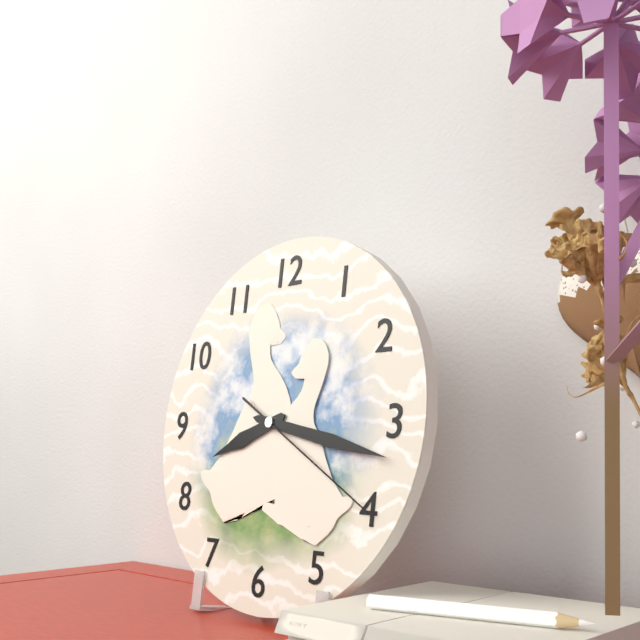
8:17:20
